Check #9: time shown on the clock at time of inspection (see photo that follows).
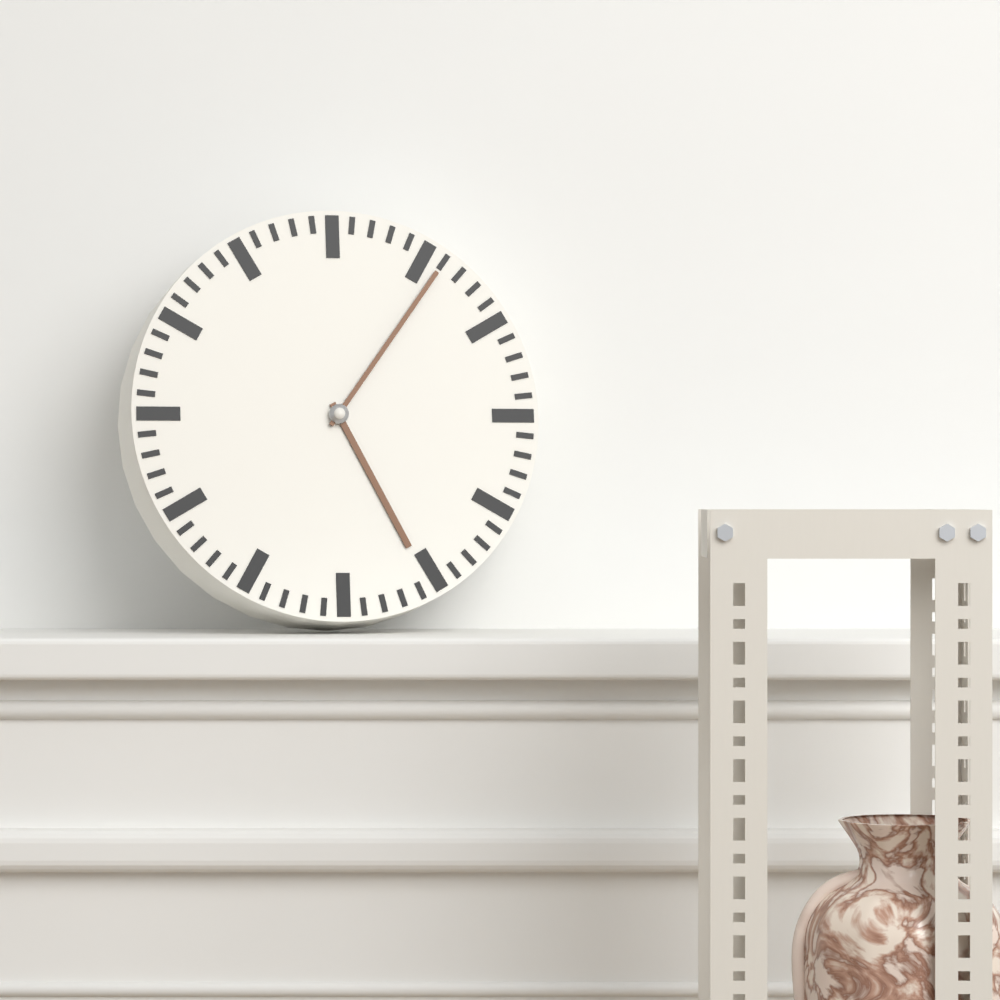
5:06
